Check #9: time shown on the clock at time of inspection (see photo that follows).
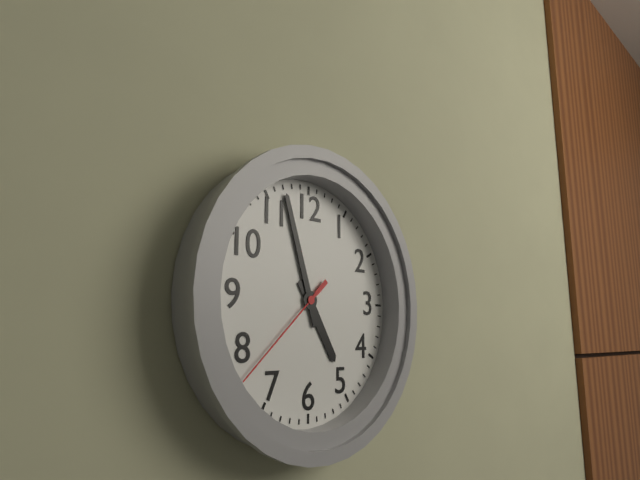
4:57:38
